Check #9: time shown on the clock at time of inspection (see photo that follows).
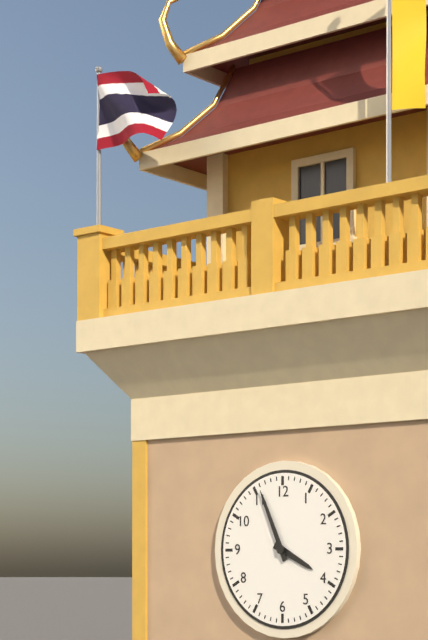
3:56
